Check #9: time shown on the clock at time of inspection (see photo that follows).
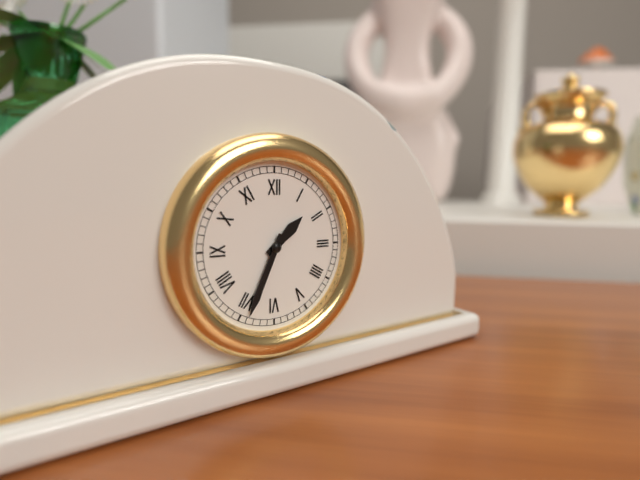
1:34
